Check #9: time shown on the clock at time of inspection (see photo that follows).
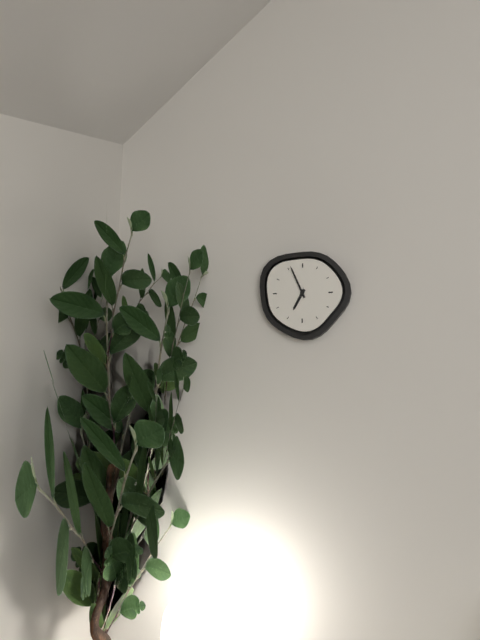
6:56
